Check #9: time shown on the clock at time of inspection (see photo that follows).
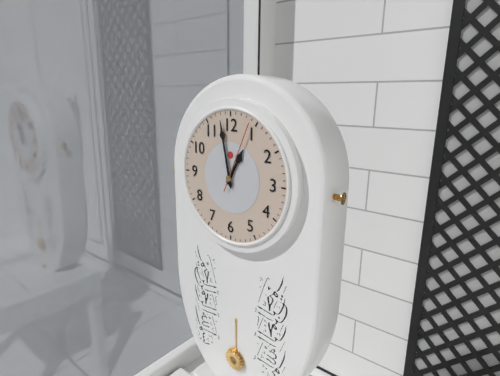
12:58:04
